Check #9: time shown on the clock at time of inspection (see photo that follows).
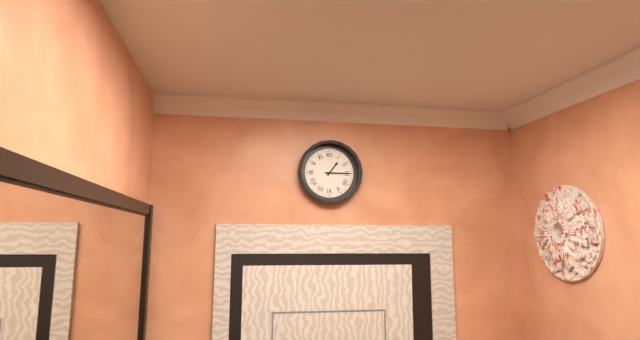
1:15
